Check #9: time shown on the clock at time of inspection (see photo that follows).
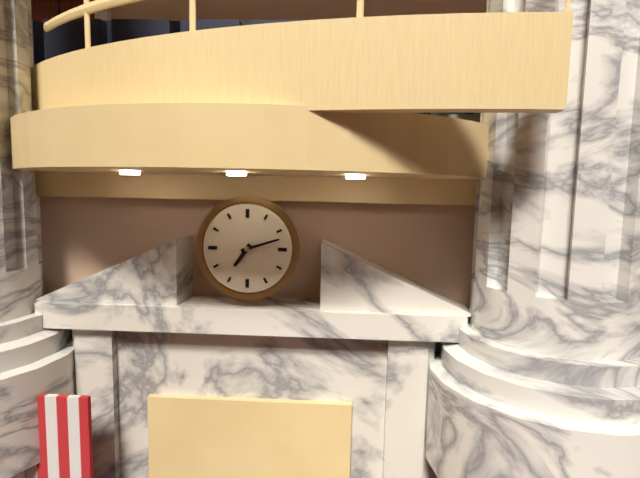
7:12
